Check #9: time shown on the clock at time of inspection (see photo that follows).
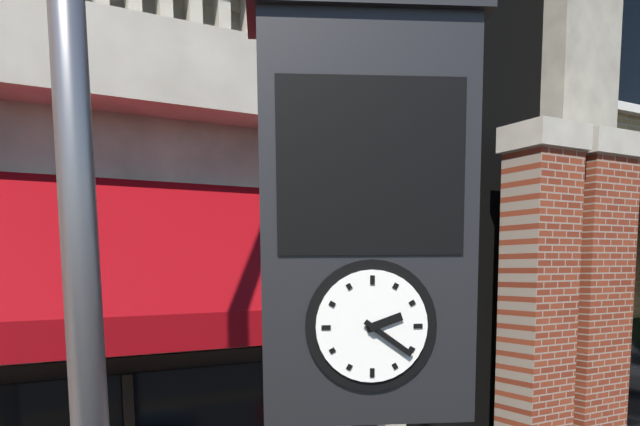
2:21
